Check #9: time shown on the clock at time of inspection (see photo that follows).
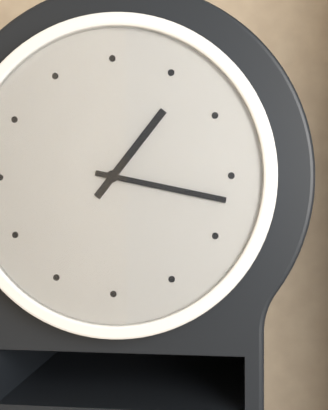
1:17
